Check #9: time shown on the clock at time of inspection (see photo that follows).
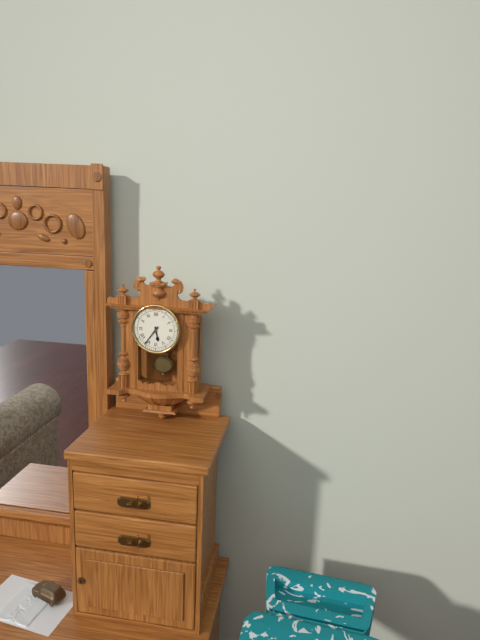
5:36
